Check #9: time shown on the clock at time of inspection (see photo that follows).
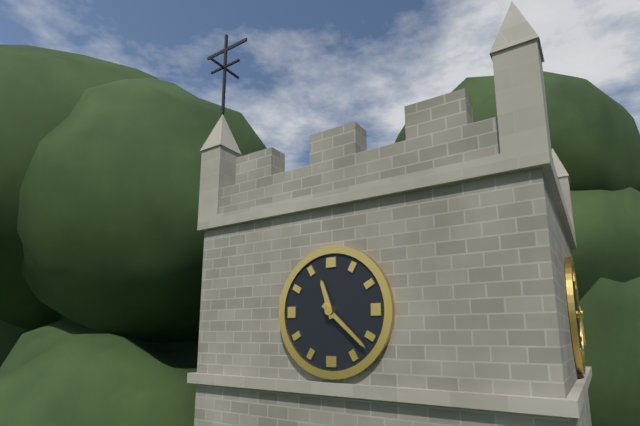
11:22
